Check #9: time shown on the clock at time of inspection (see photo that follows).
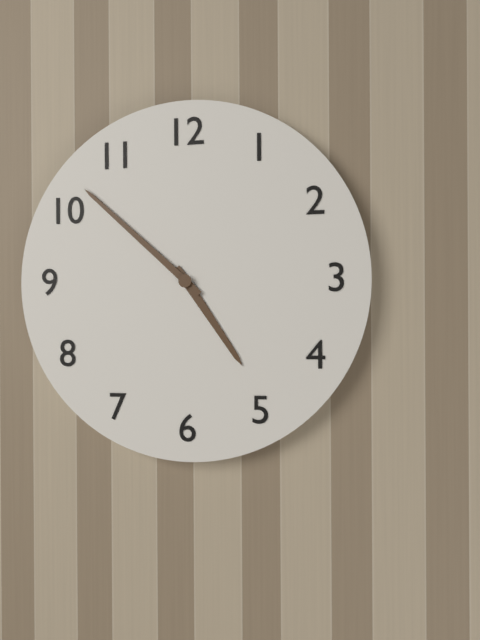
4:52
